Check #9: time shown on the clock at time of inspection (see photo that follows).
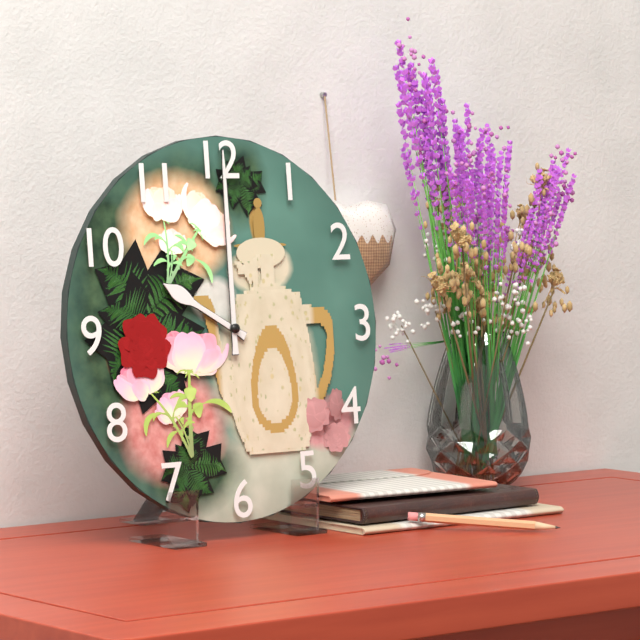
10:00
